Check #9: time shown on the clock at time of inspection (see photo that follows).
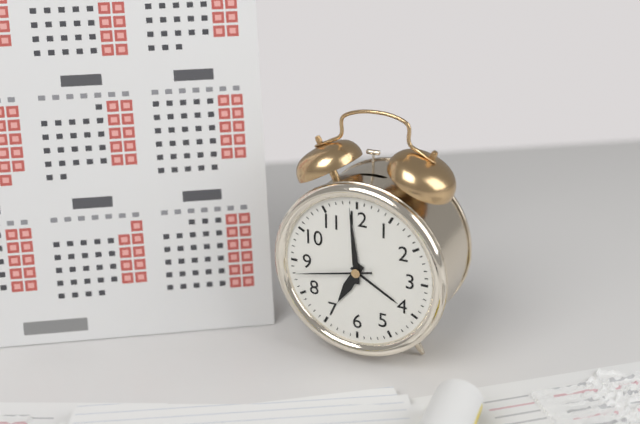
6:59:43
